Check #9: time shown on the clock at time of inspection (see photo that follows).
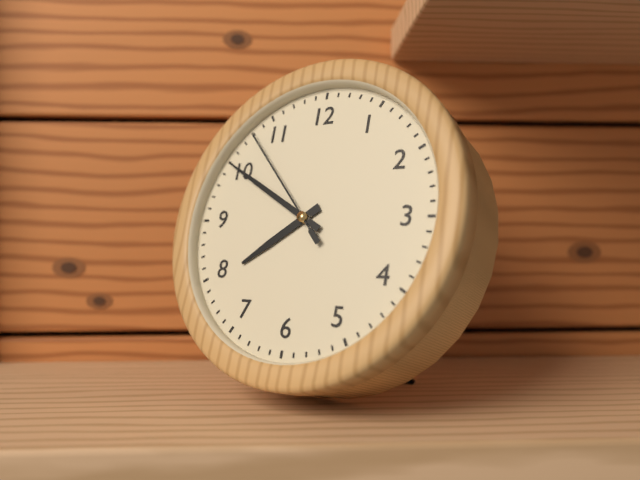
7:50:53
